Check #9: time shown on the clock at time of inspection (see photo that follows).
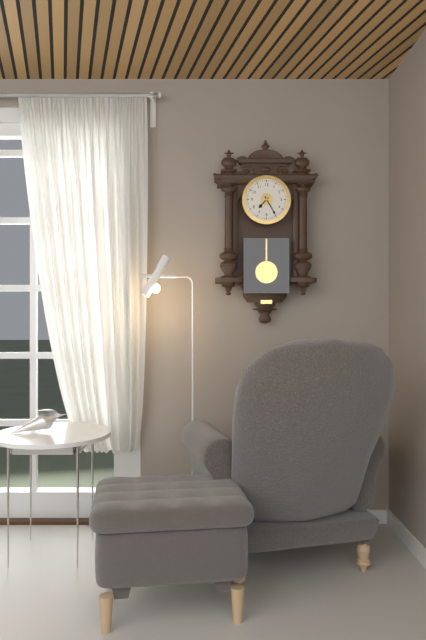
7:25
